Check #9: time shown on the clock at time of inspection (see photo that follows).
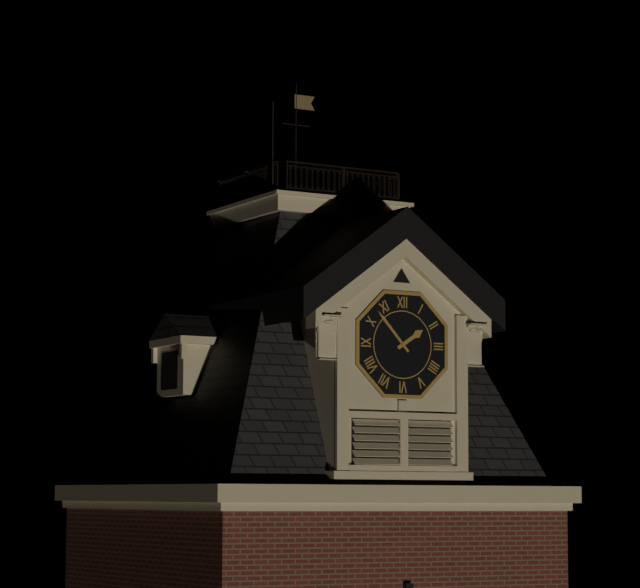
1:53
